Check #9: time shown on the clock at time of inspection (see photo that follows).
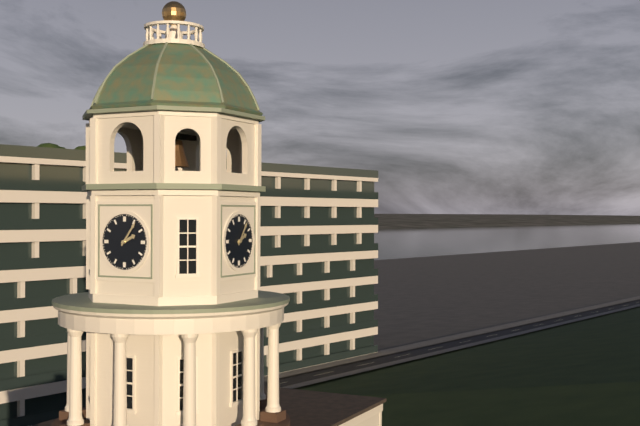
2:06
